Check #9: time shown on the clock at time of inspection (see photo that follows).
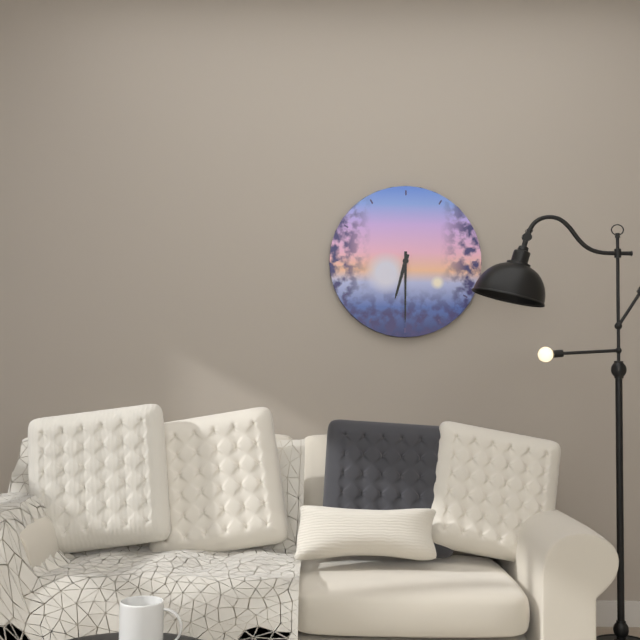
6:30
